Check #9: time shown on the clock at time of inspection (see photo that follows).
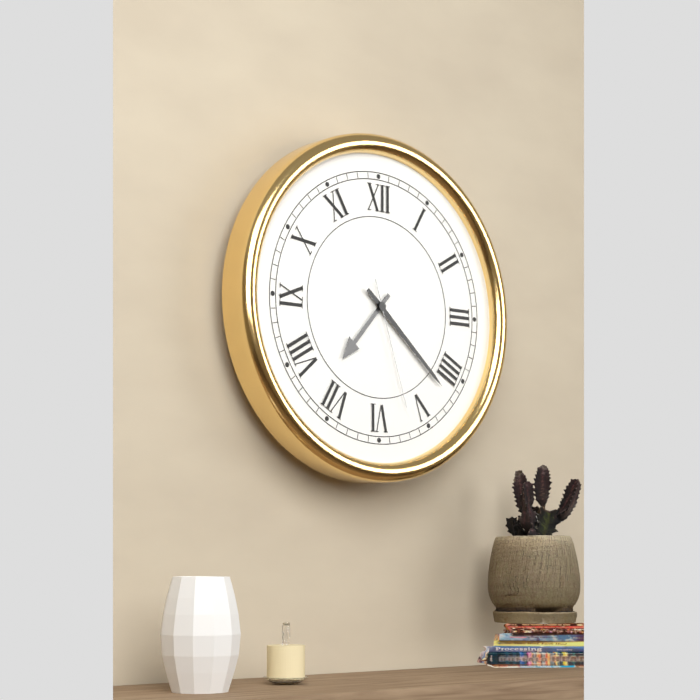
7:22:27
